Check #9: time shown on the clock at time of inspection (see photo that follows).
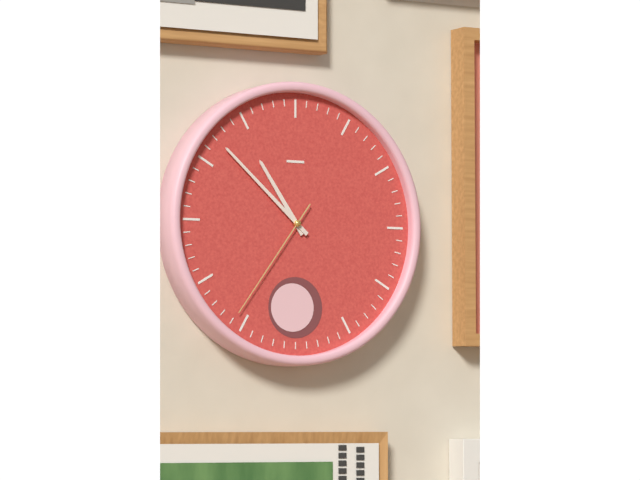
10:52:36
